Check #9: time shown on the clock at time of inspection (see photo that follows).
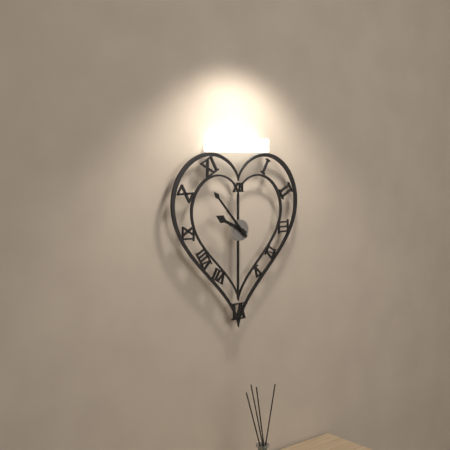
9:53
